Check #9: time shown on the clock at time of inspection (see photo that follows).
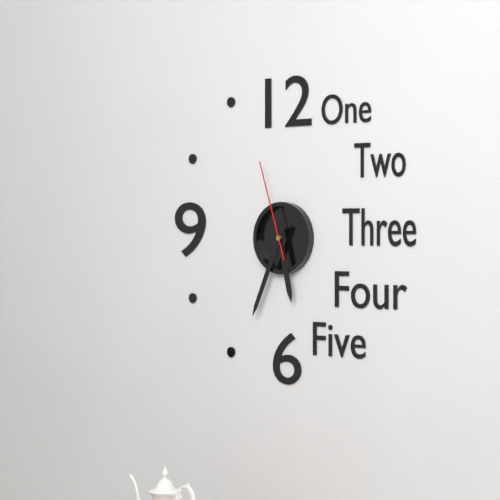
5:34:57
